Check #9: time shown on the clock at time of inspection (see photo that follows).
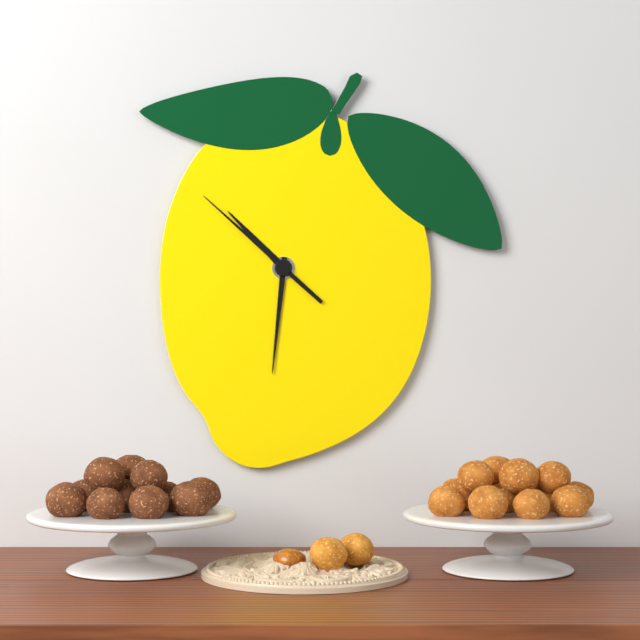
10:31:52
